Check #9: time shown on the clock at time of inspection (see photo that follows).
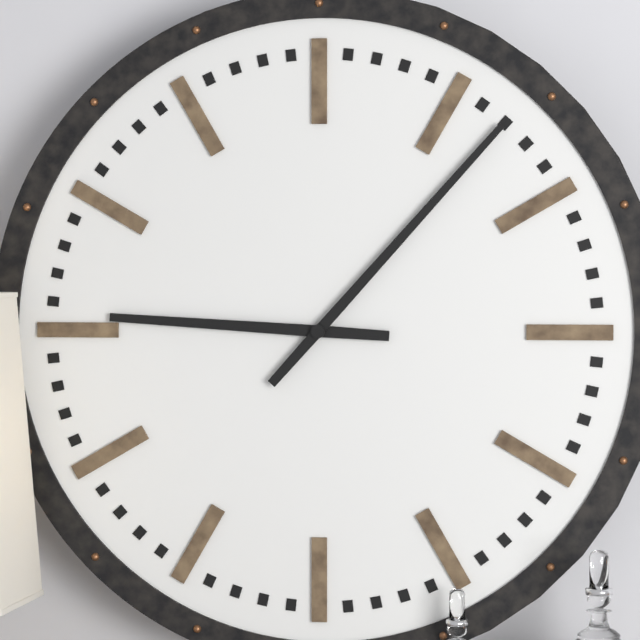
9:07
